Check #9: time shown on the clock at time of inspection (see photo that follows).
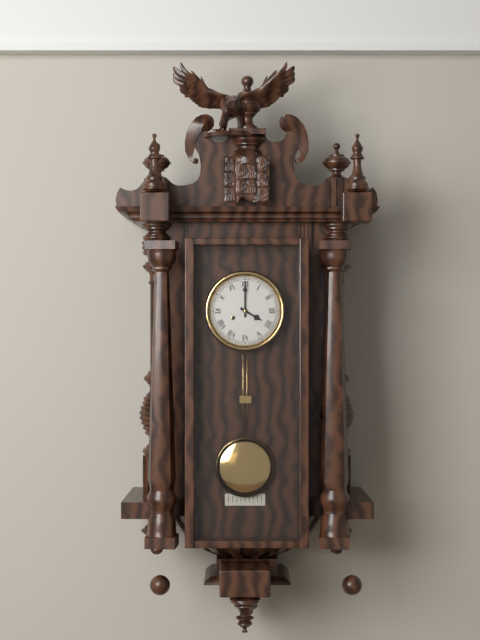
4:00
